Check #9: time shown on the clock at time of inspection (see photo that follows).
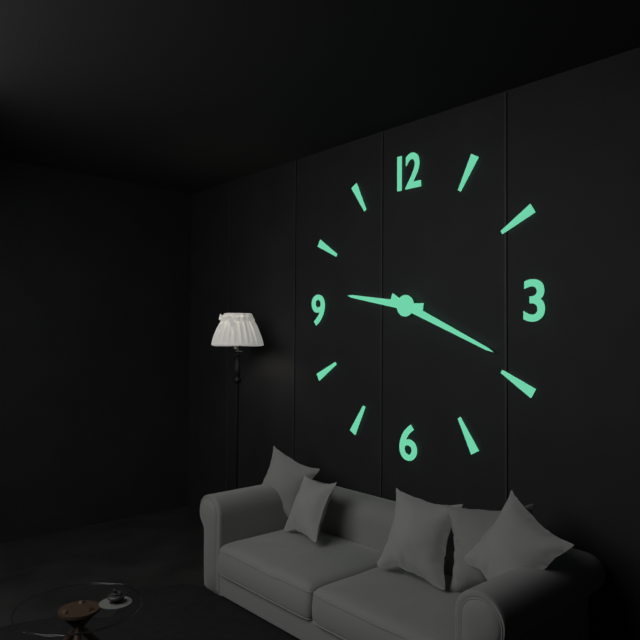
9:19
